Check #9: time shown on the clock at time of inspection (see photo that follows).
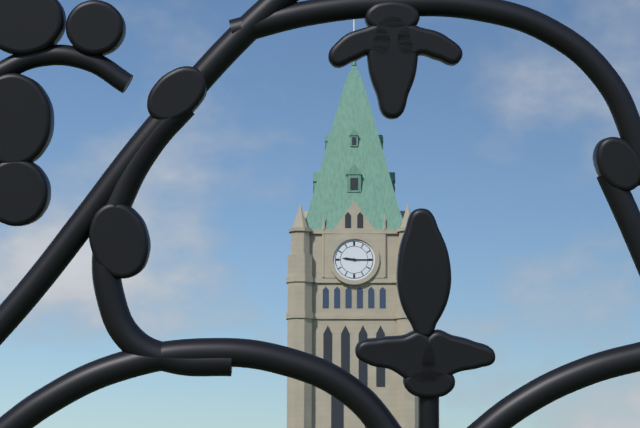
9:15
